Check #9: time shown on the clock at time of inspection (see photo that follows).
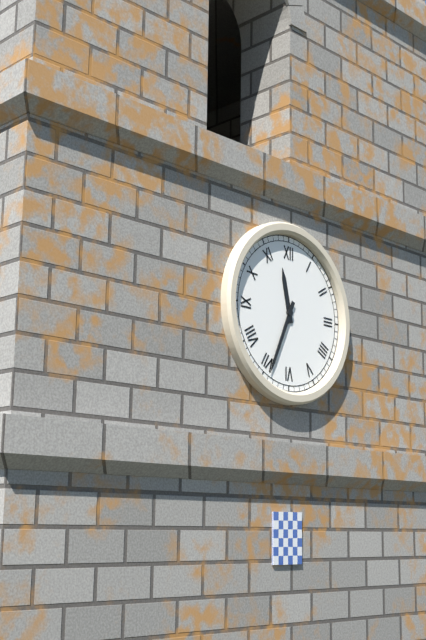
11:34
